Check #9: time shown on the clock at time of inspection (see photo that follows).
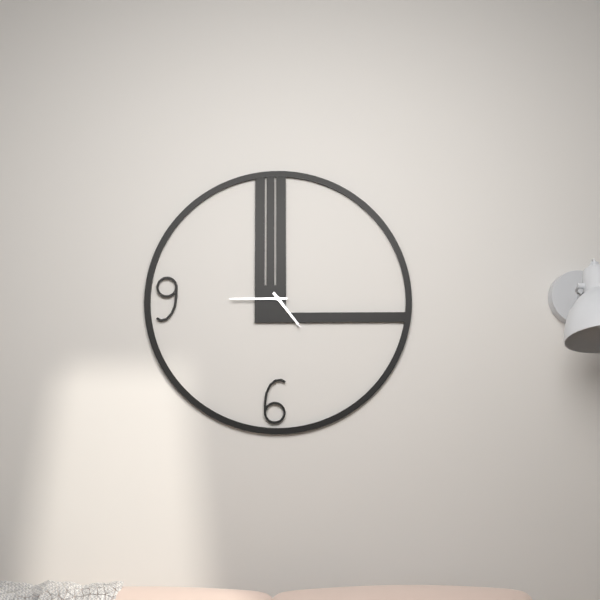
4:45
